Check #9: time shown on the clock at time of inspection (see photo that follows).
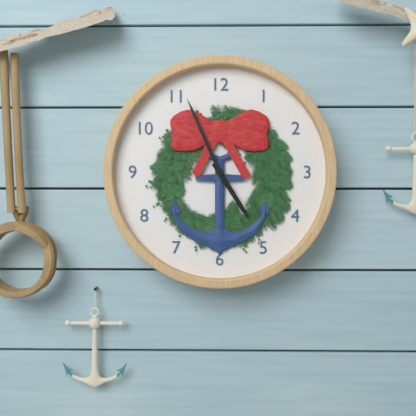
4:56
